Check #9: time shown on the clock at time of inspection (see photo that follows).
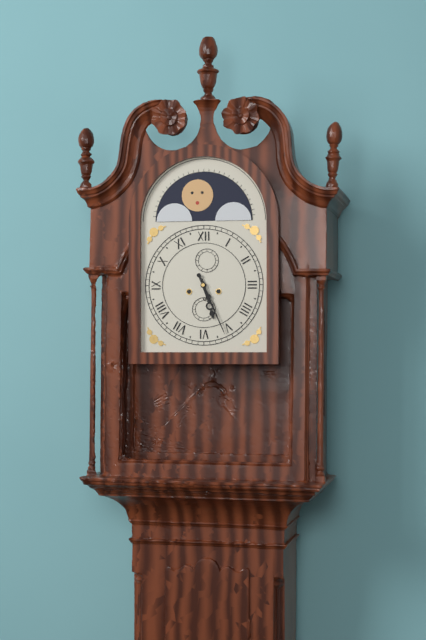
5:26
